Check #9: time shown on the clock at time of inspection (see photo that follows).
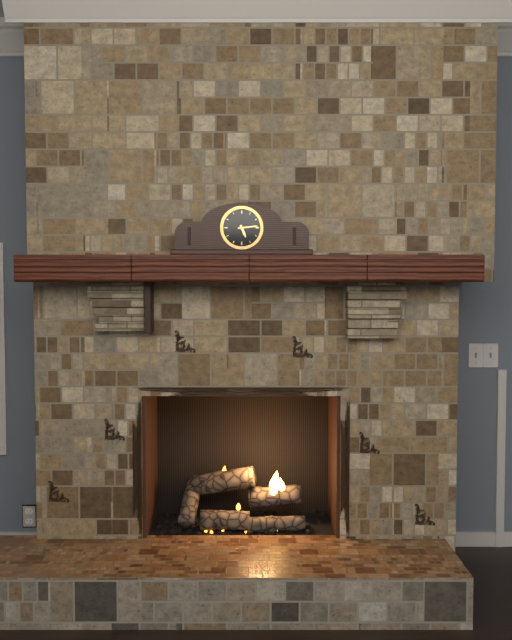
5:14
